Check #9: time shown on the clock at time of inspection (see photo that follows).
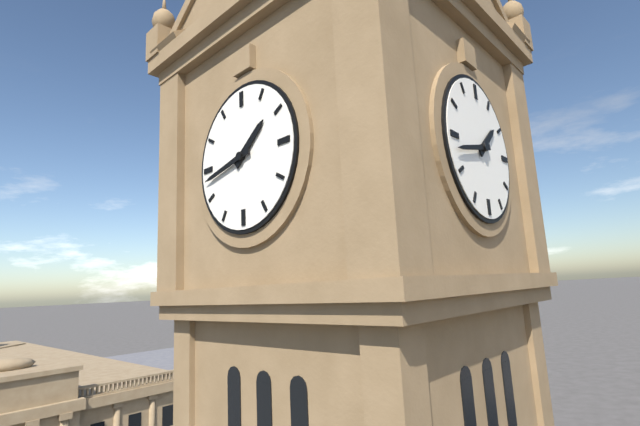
1:43
